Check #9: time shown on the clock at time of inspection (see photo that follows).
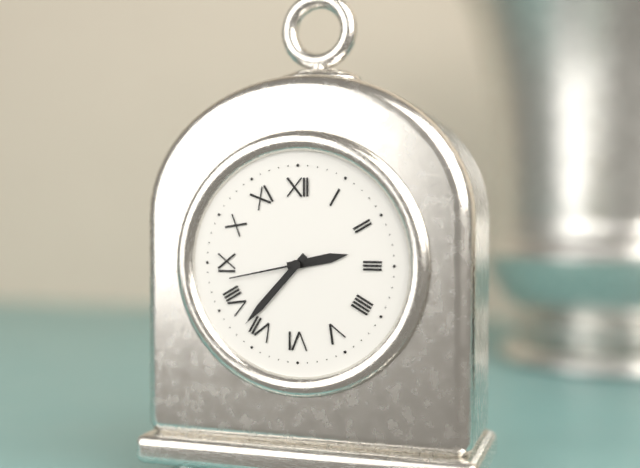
2:37:43
